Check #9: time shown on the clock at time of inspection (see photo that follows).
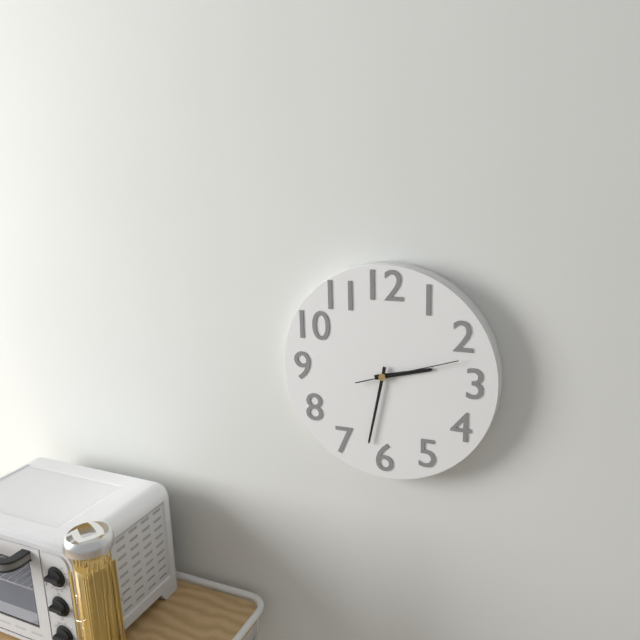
2:32:12
